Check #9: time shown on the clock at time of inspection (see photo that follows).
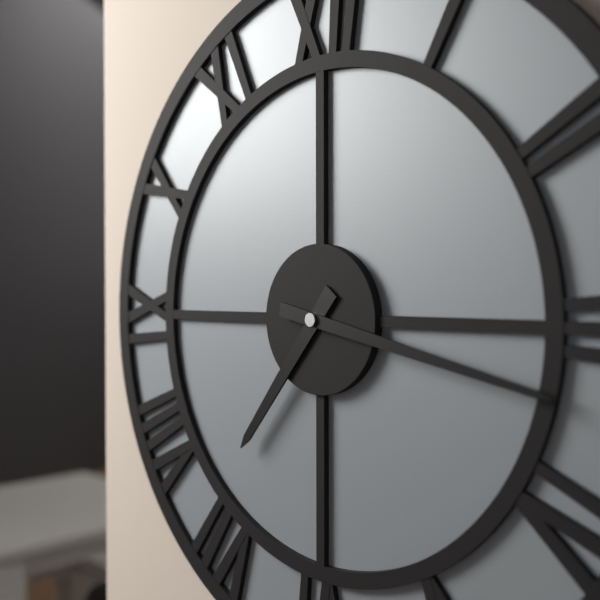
7:17
